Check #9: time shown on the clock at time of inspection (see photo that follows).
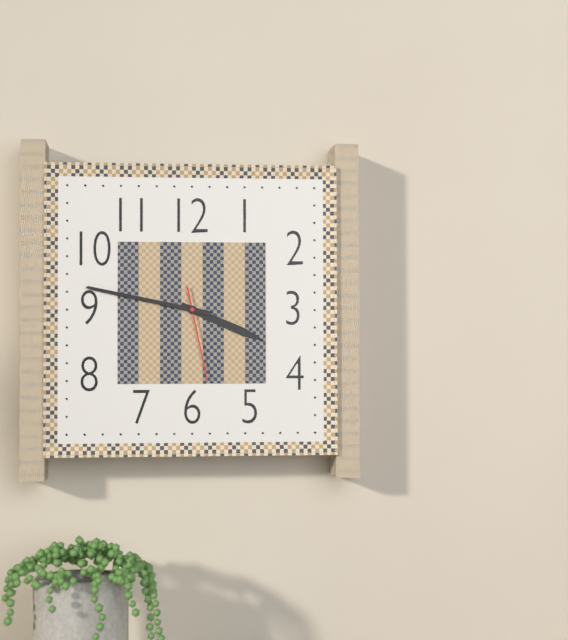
3:47:28
